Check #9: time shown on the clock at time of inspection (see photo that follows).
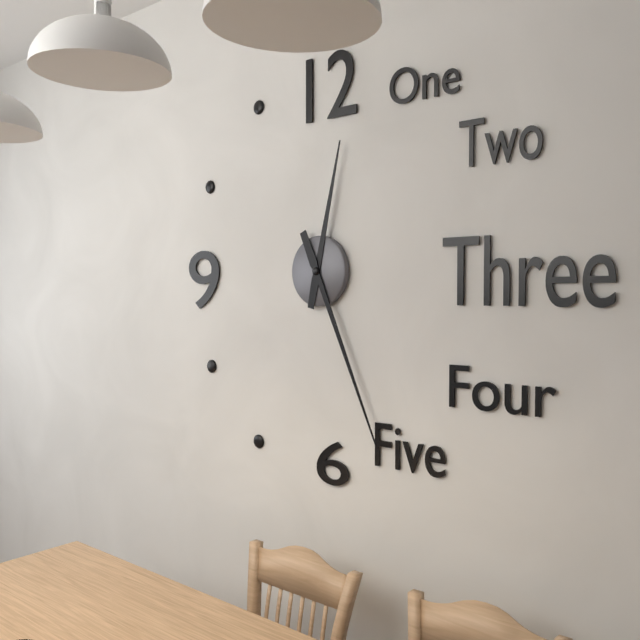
12:26
